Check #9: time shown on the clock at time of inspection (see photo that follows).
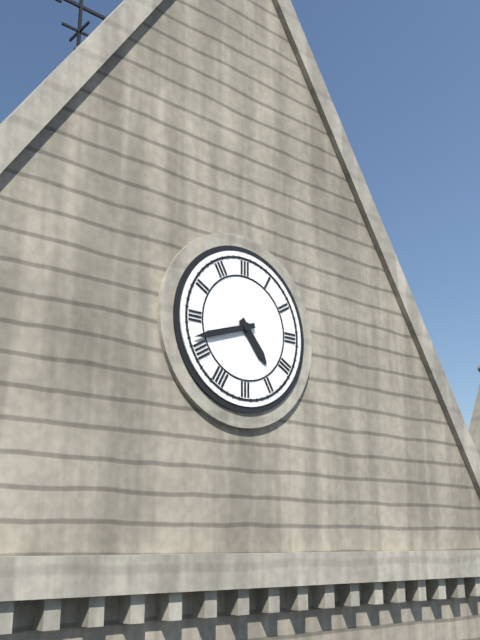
4:42
